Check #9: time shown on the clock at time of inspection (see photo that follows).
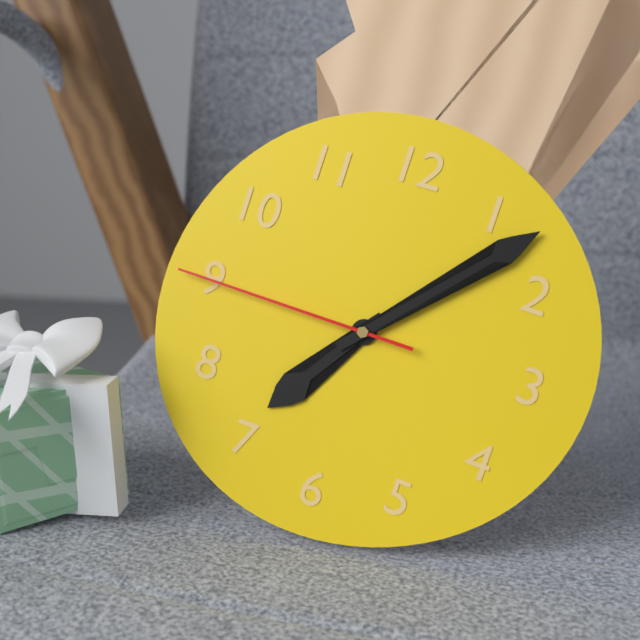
7:07:45
